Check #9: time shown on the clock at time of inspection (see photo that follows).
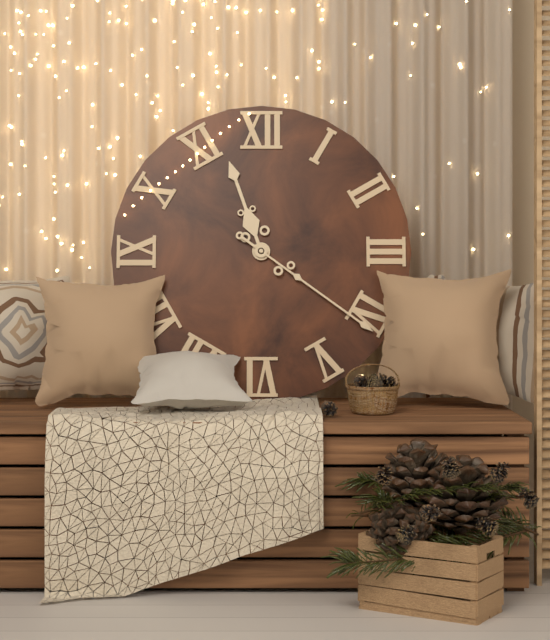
11:21
